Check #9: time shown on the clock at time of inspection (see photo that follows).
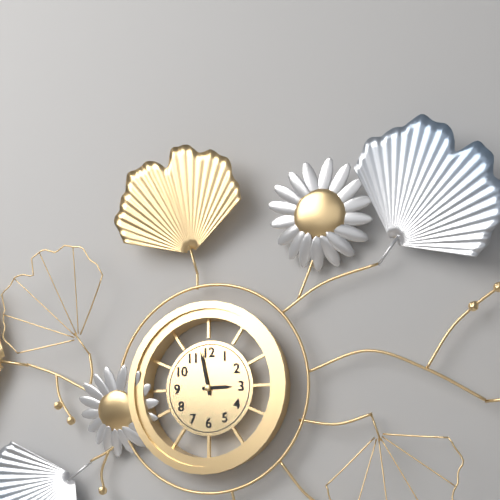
2:58
